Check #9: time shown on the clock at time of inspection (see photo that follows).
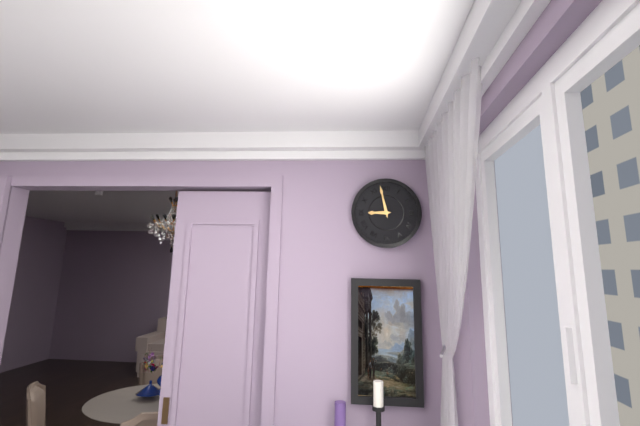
8:58
